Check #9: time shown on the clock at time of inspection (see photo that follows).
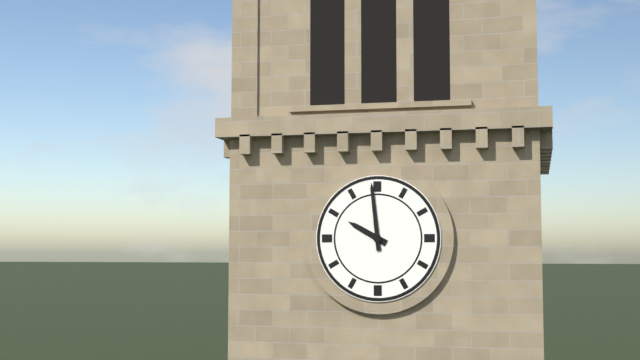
9:59
